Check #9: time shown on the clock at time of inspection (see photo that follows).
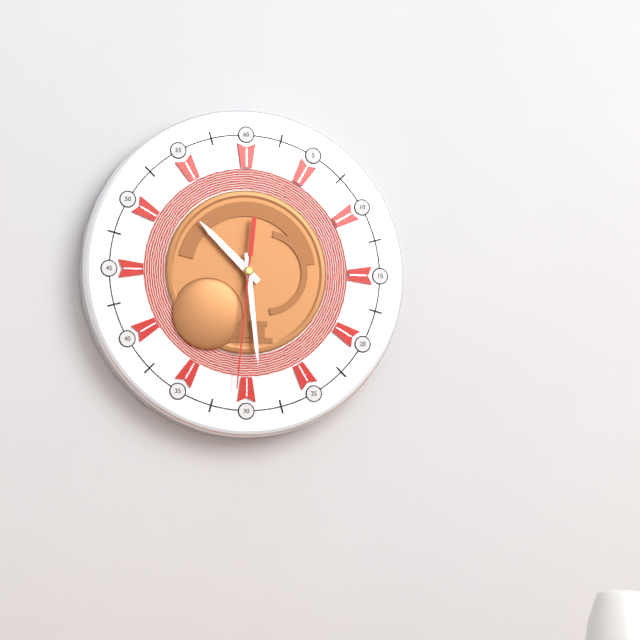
10:29:31
